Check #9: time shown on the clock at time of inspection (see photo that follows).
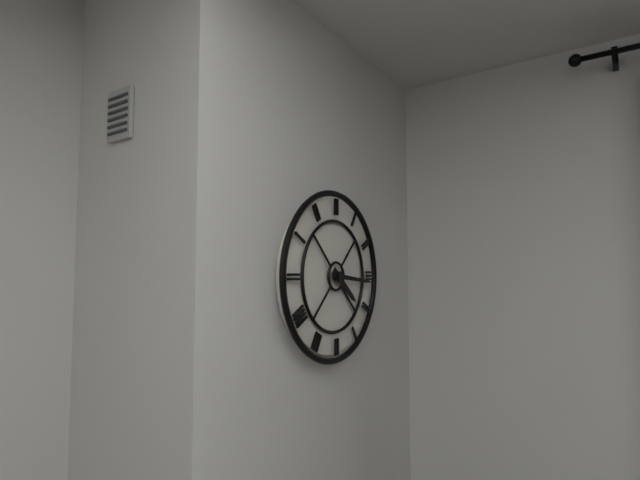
4:16
